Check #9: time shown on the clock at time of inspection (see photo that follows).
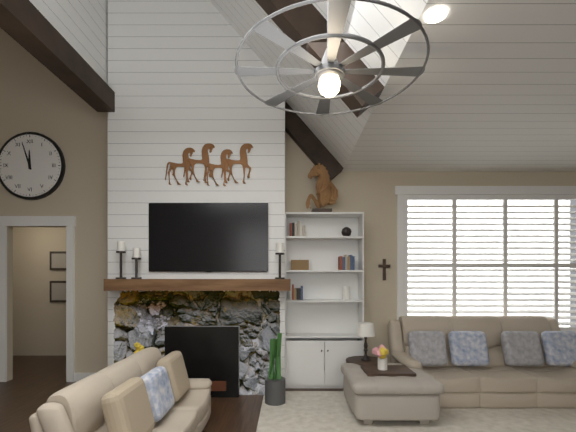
11:57
